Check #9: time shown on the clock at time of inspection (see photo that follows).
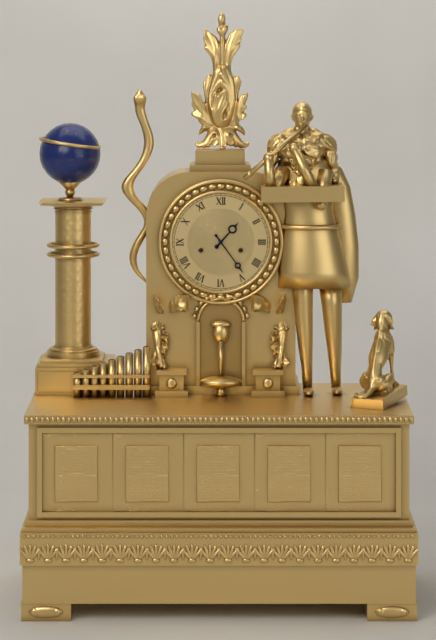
1:24
